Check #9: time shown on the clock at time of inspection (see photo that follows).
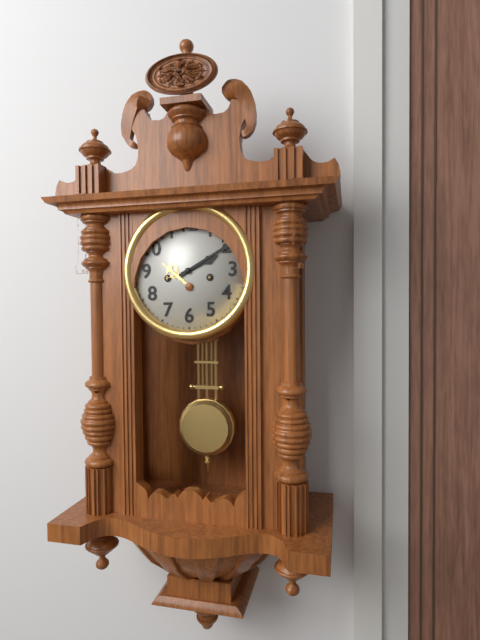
2:10
